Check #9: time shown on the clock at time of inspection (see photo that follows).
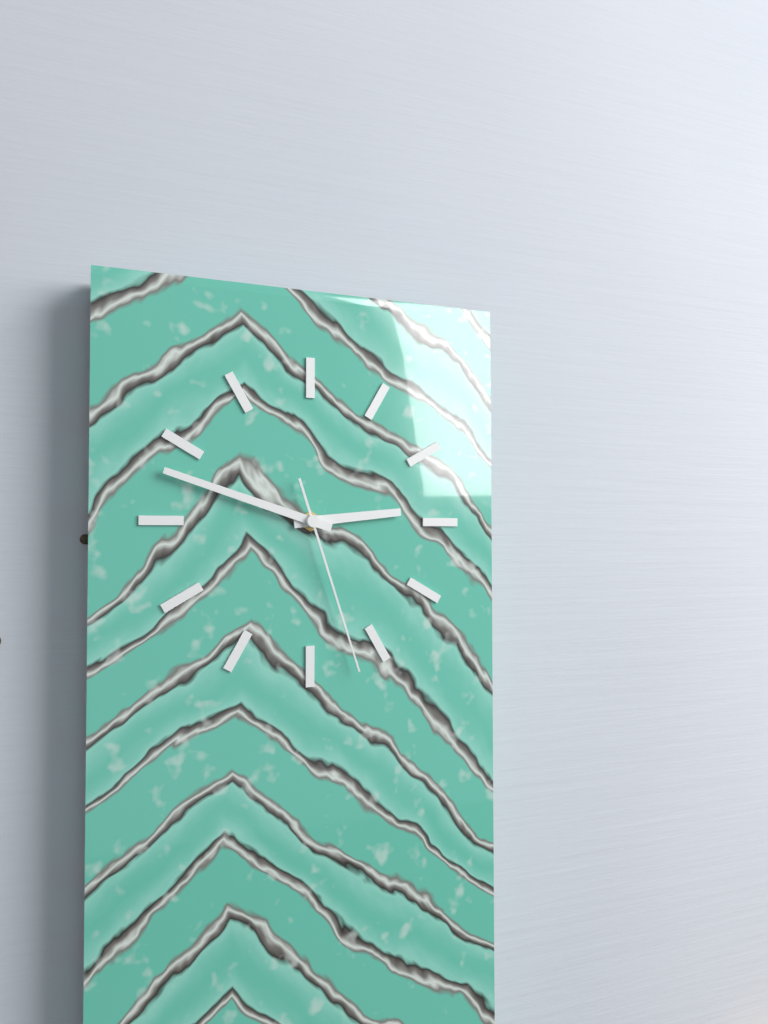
2:48:27
